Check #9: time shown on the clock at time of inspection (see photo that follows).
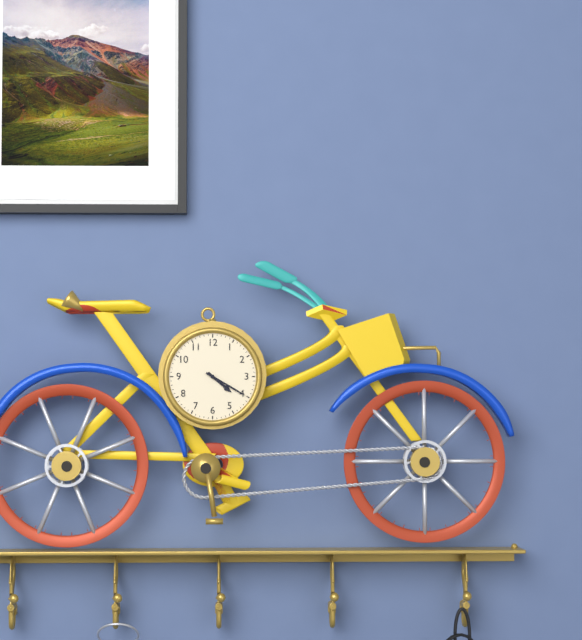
4:20
